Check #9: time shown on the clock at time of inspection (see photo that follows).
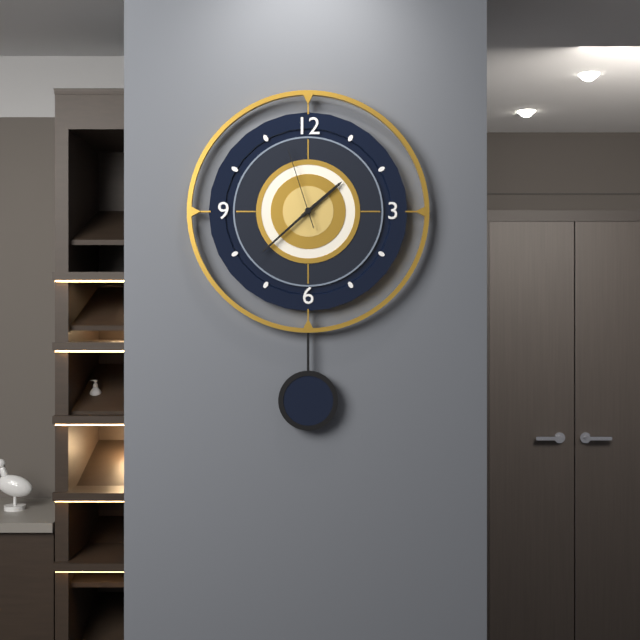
1:38:57
